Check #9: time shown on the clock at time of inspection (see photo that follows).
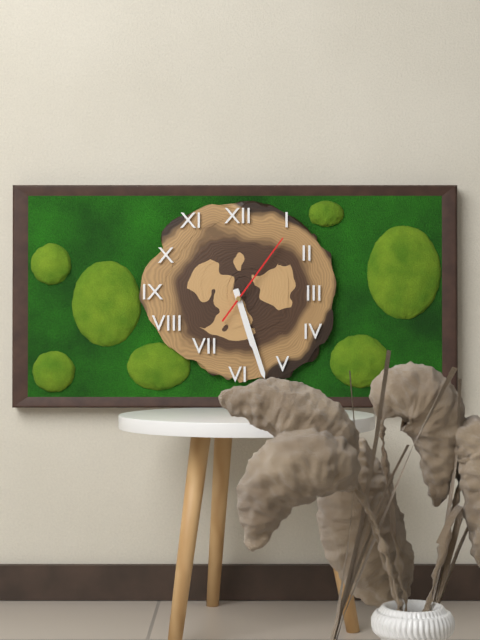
5:27:06
